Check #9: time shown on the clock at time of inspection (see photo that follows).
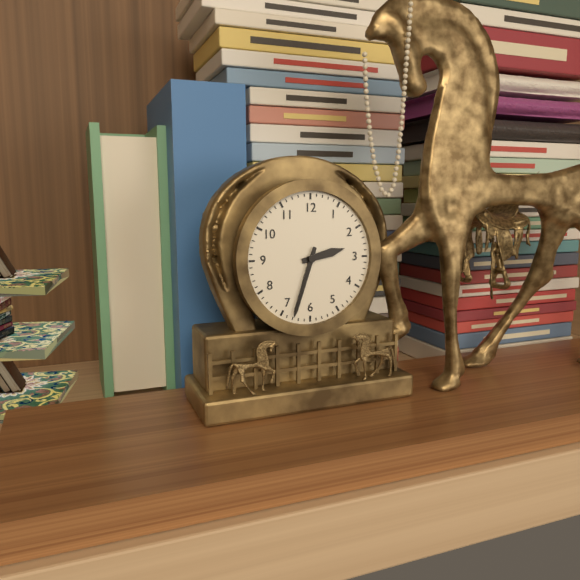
2:33
